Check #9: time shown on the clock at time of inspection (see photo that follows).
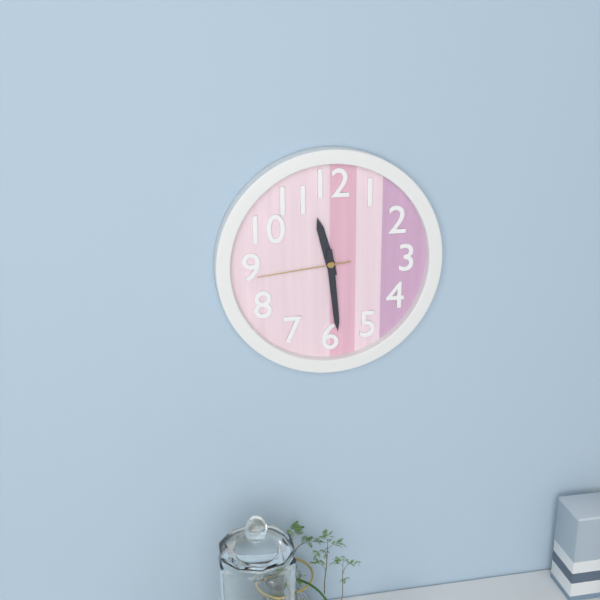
11:29:44
